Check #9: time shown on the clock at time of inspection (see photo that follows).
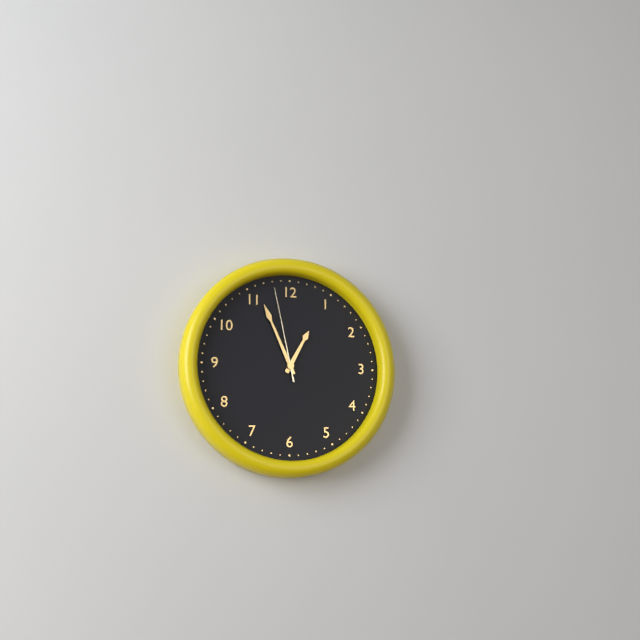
12:56:58
